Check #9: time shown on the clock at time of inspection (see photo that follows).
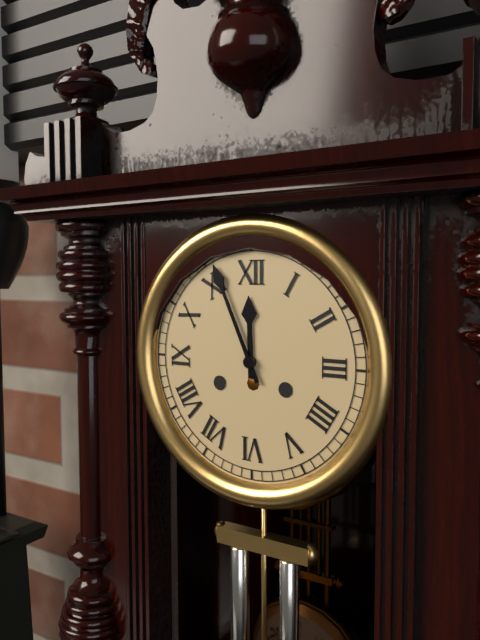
11:56
